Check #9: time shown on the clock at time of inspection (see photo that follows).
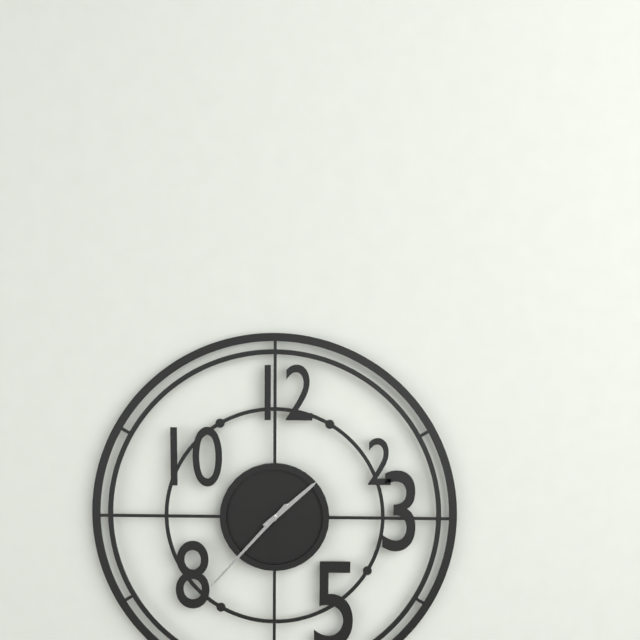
1:37
